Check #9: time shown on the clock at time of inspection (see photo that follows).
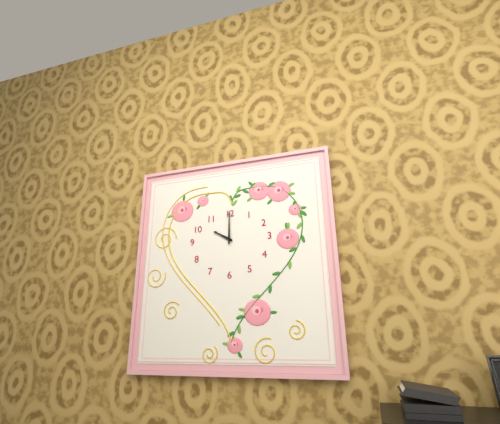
10:00
